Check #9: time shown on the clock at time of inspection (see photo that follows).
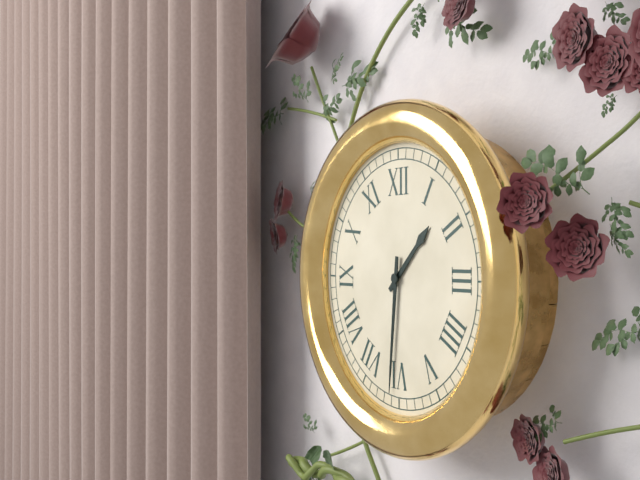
1:31
